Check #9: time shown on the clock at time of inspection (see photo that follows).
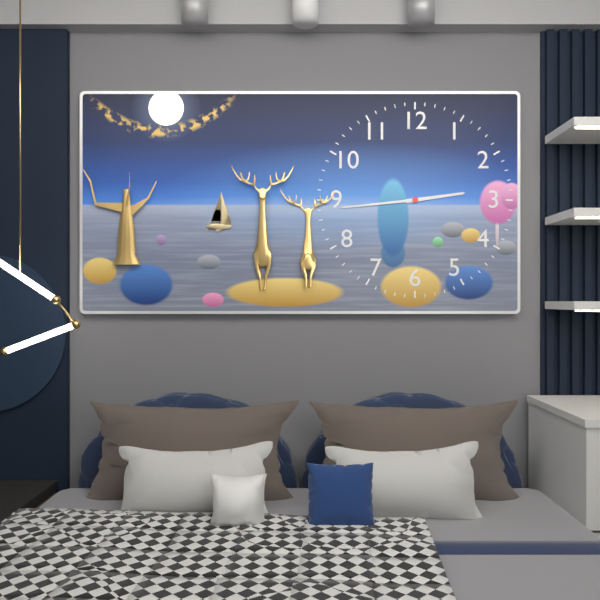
2:44
